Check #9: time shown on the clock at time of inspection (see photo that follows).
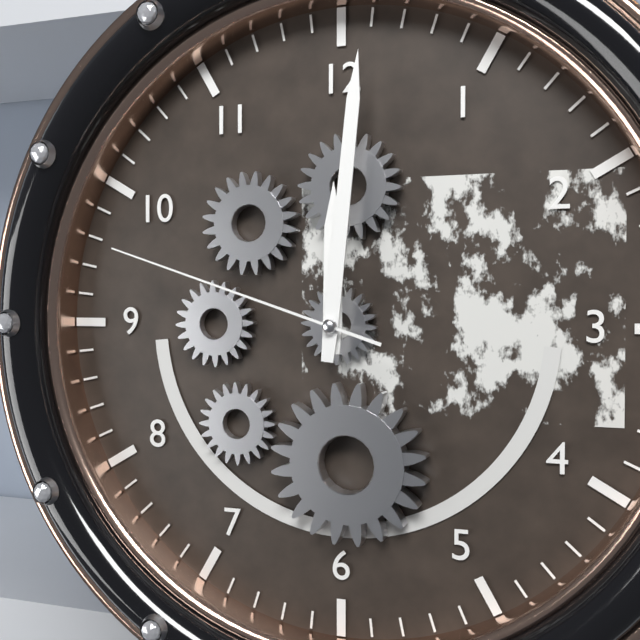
12:01:48
